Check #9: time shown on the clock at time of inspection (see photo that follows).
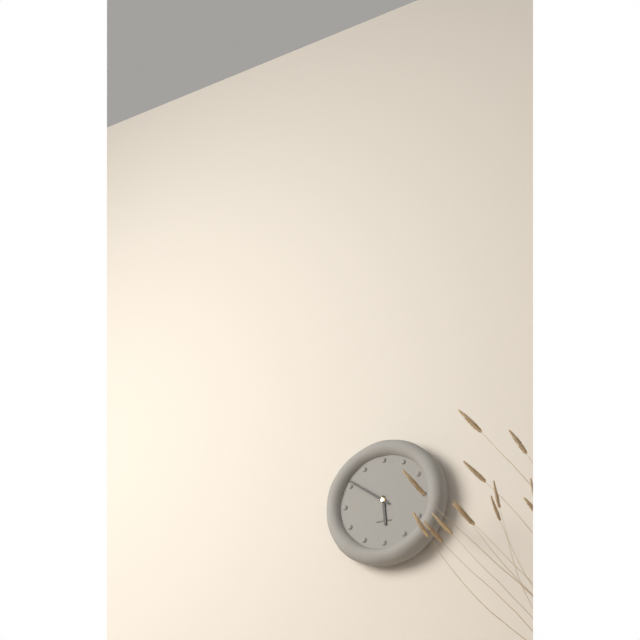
5:51
